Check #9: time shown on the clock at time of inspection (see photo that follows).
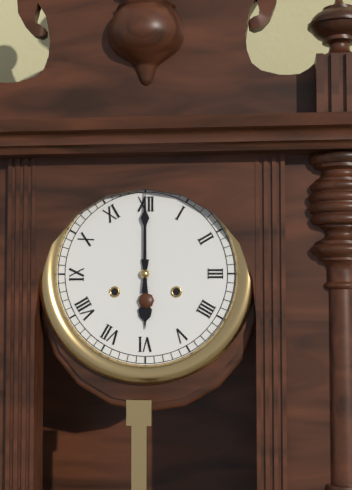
6:00
